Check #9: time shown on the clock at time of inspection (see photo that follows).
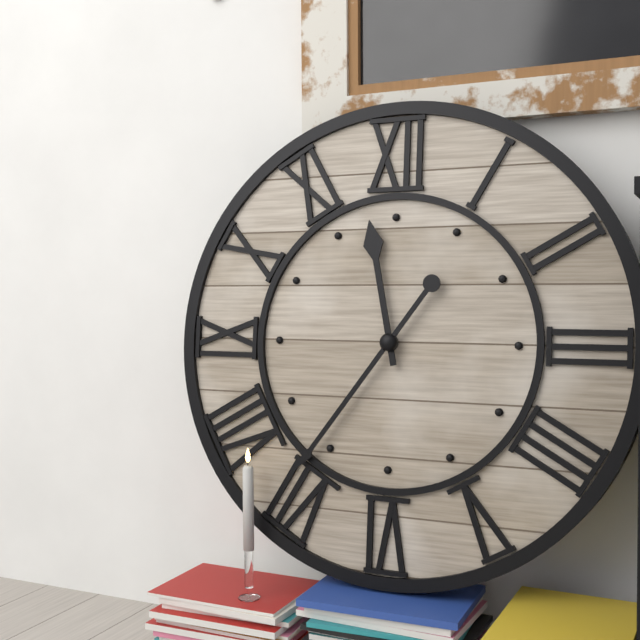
11:36
